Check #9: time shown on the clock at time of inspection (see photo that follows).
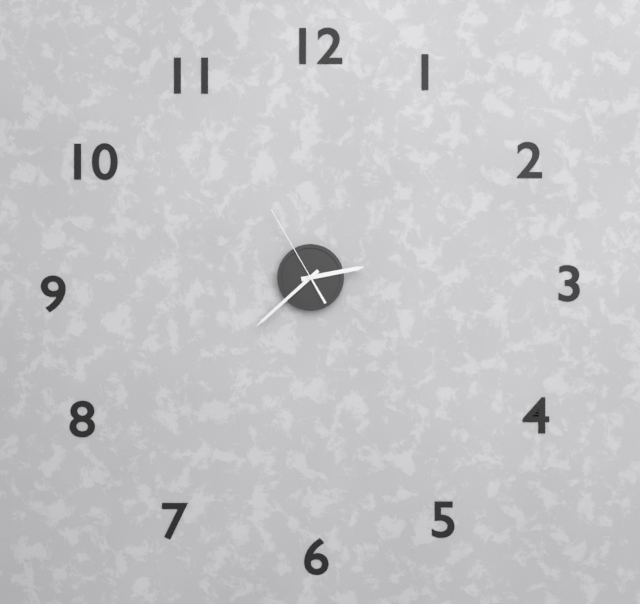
2:38:55
